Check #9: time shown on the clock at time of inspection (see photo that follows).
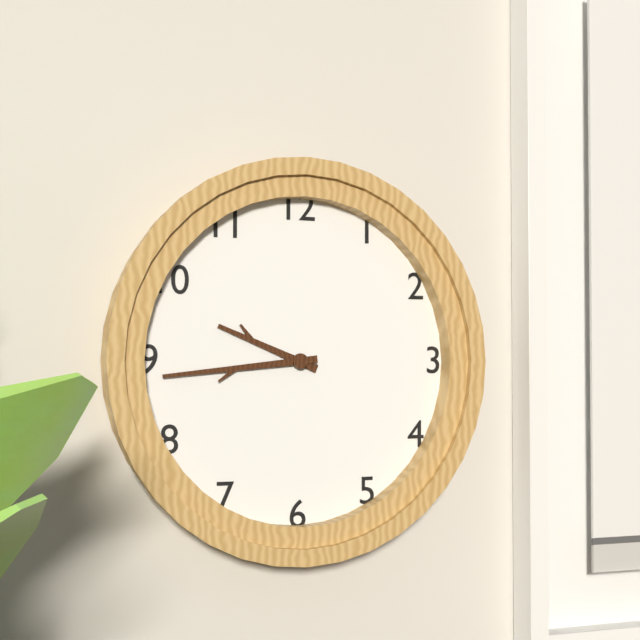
9:44
